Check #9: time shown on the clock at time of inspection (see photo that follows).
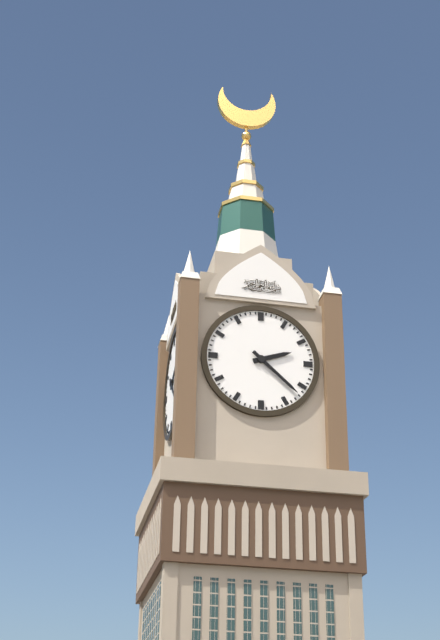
2:22
